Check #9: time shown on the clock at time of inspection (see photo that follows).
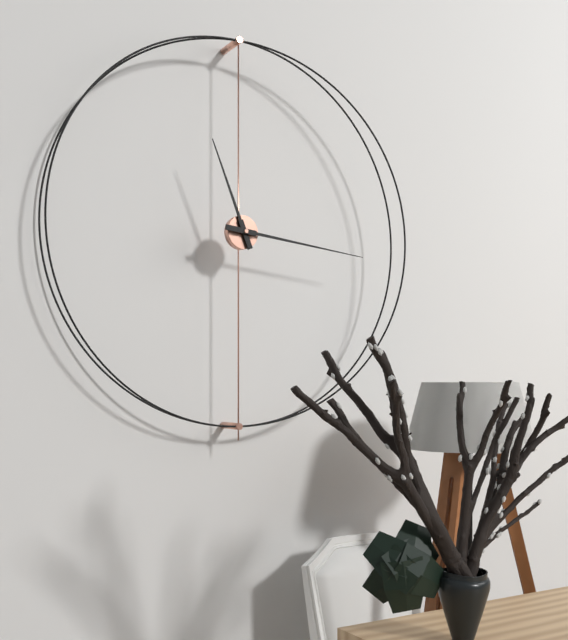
11:16
